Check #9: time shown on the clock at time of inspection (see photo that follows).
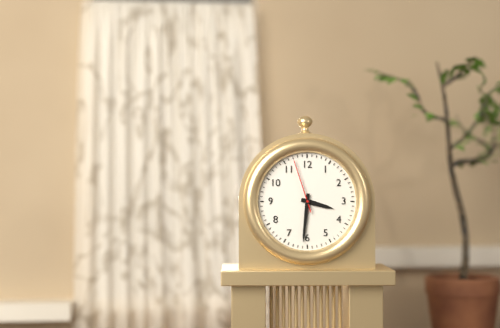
3:31:57
